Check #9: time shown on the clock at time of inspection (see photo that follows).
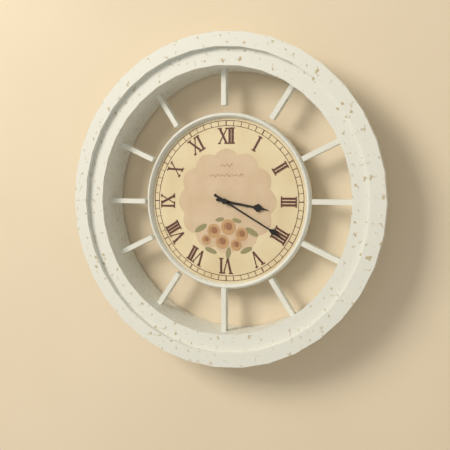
3:20
